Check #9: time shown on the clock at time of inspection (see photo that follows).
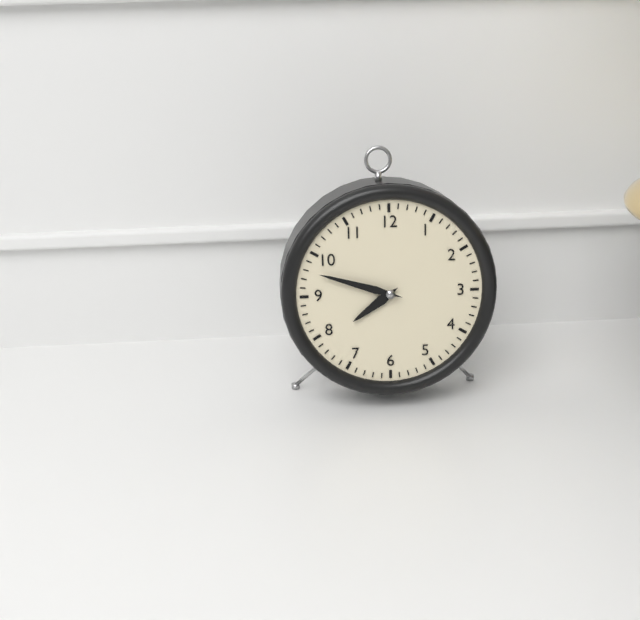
7:48
